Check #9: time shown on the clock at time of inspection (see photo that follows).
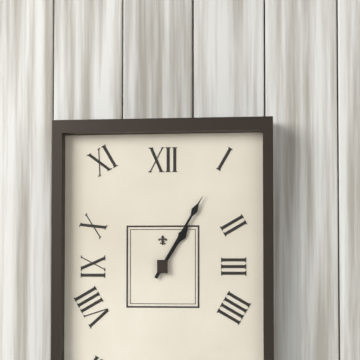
1:05
